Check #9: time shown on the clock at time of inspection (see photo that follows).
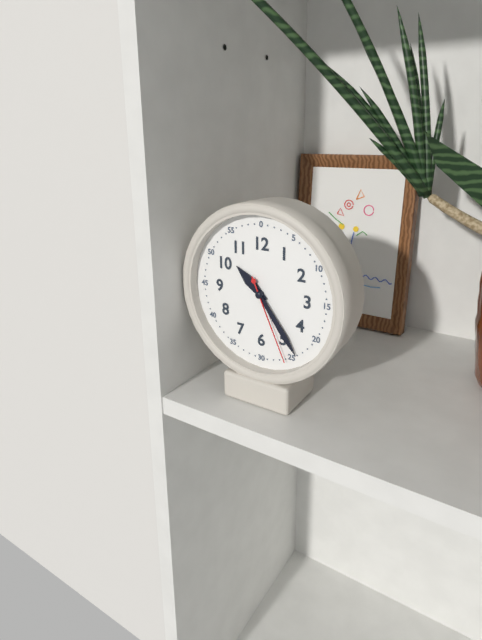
10:24:26
